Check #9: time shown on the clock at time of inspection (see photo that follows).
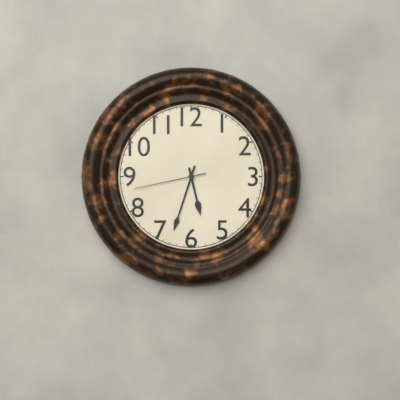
5:33:43
